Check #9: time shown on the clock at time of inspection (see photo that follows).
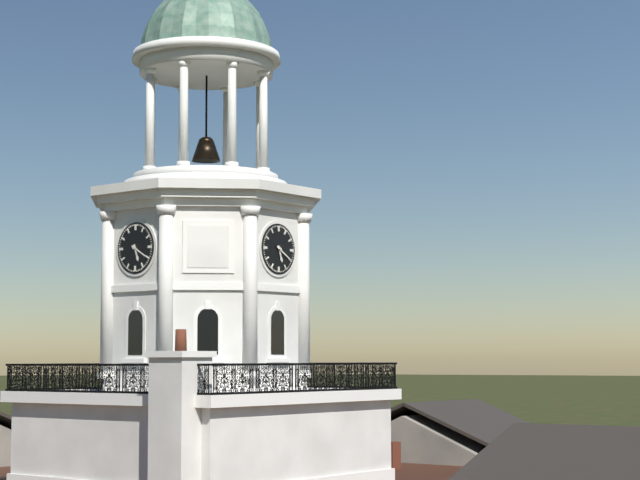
5:20
